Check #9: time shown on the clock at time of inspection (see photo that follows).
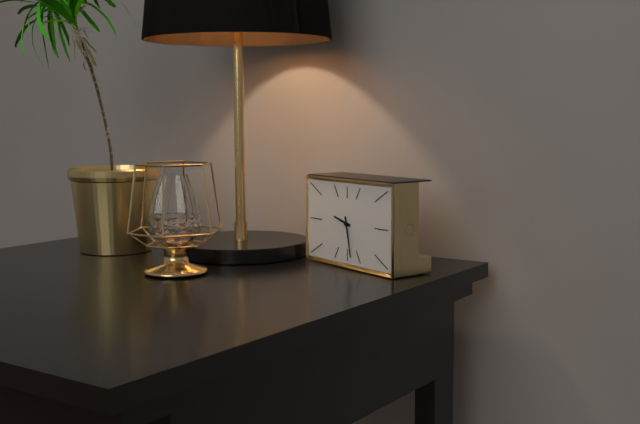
9:28
